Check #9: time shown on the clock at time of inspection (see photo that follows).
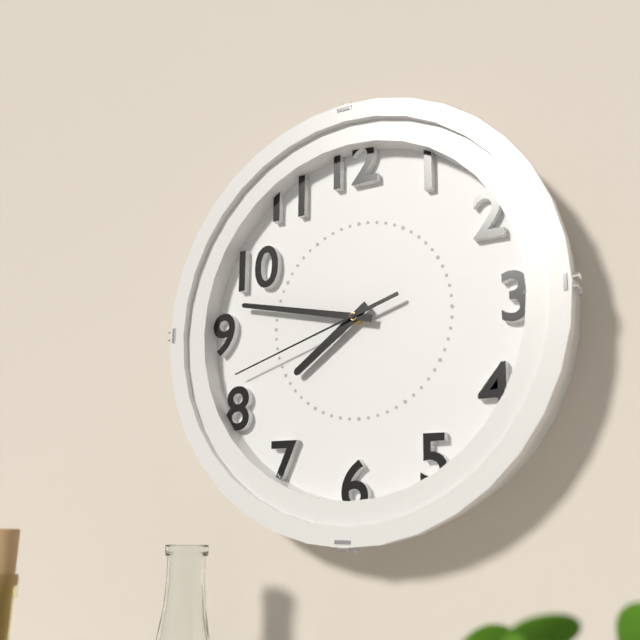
7:47:42
